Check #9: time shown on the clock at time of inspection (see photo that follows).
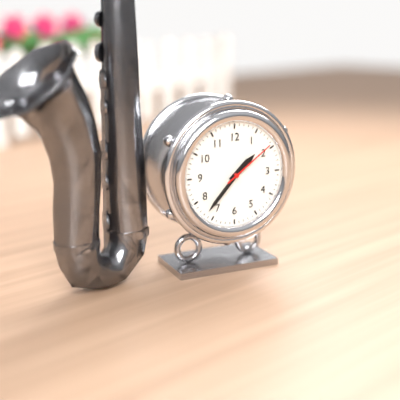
1:37:09
